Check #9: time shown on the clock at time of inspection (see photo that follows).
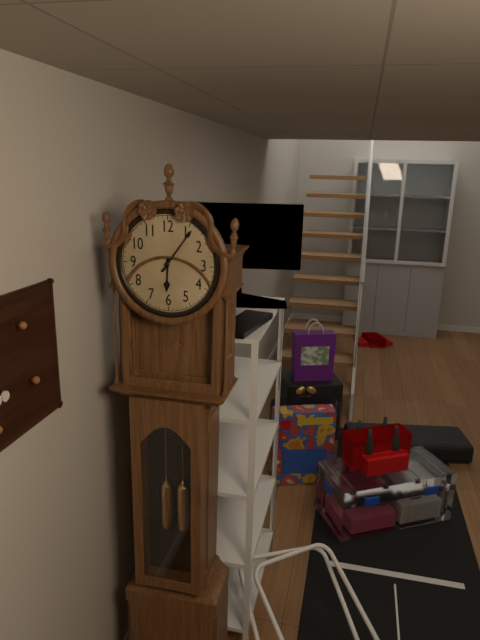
6:06
